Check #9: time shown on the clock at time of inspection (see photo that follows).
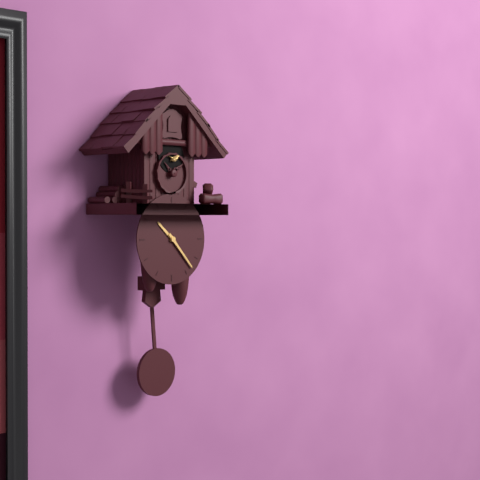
10:23
